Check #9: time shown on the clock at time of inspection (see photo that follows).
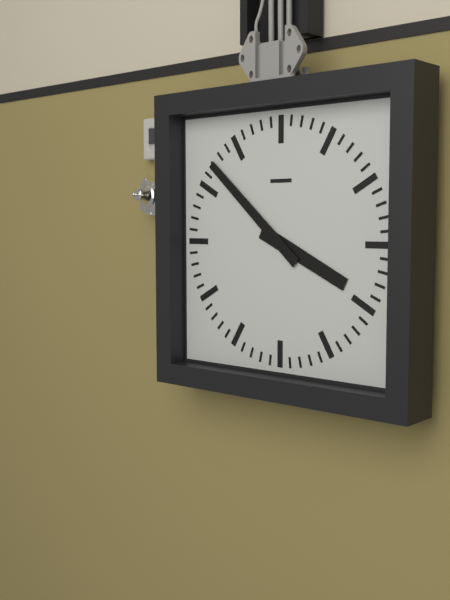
3:52
